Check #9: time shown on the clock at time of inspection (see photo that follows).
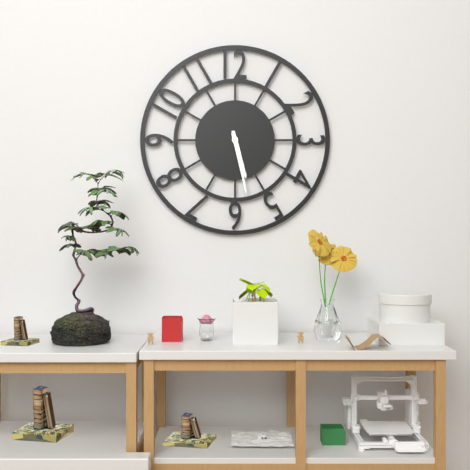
5:28
